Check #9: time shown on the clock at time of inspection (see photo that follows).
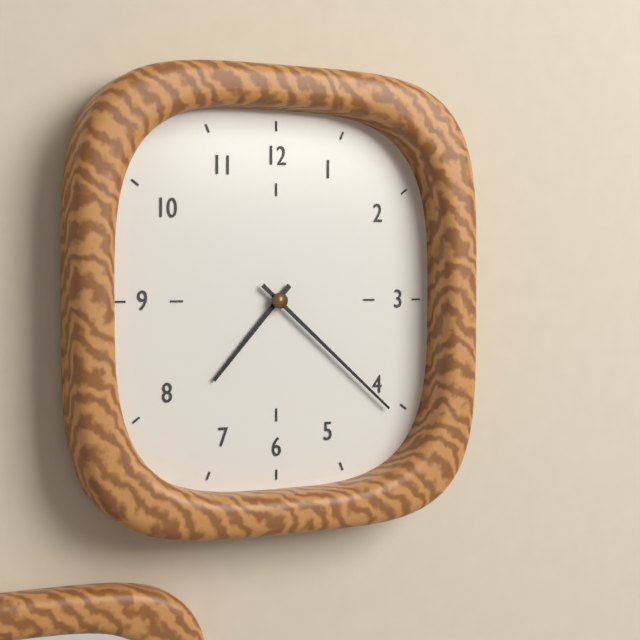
7:22
